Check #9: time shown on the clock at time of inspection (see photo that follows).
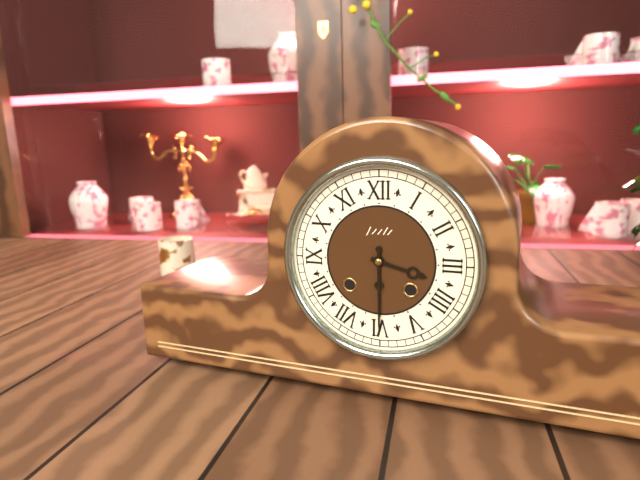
3:30
